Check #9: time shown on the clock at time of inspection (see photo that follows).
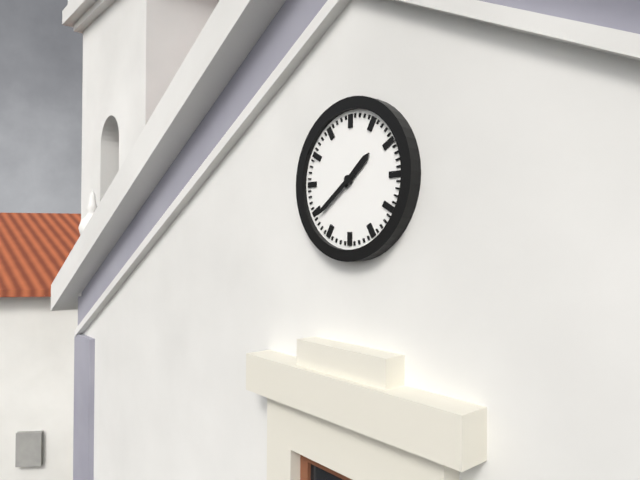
1:39
